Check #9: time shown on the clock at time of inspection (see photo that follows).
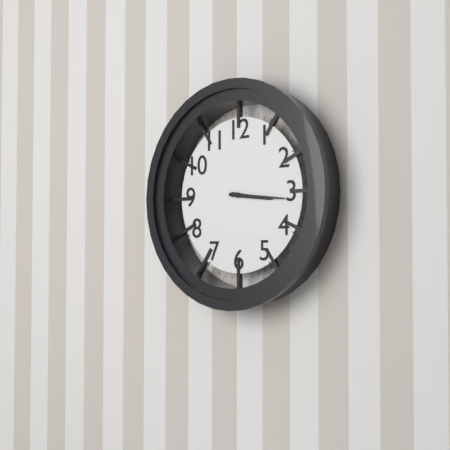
3:16
